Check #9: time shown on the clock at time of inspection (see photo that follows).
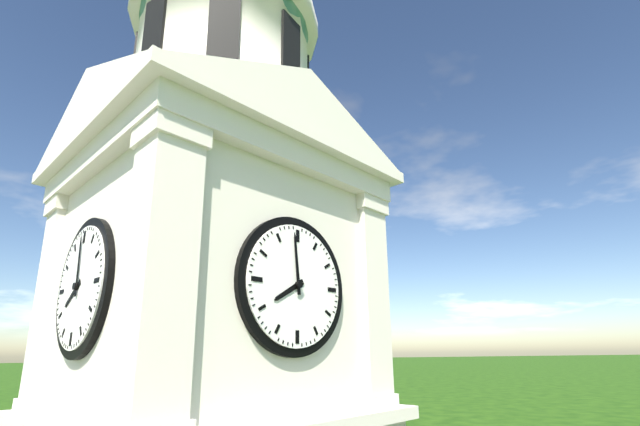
7:59
